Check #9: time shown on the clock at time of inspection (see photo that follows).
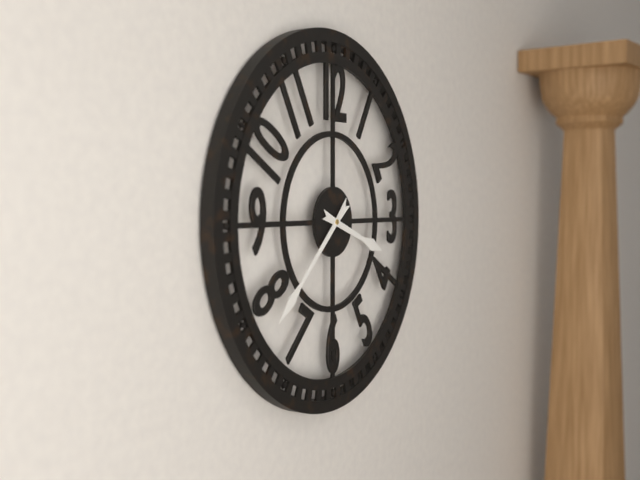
3:38
